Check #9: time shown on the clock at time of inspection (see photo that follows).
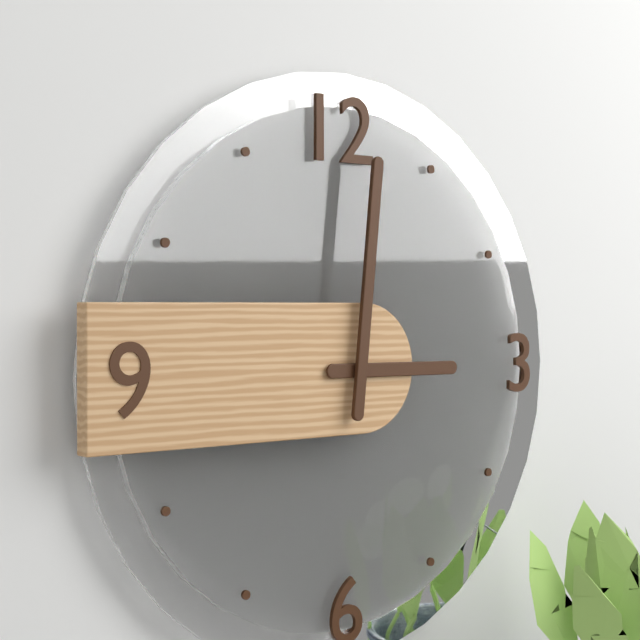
3:01
